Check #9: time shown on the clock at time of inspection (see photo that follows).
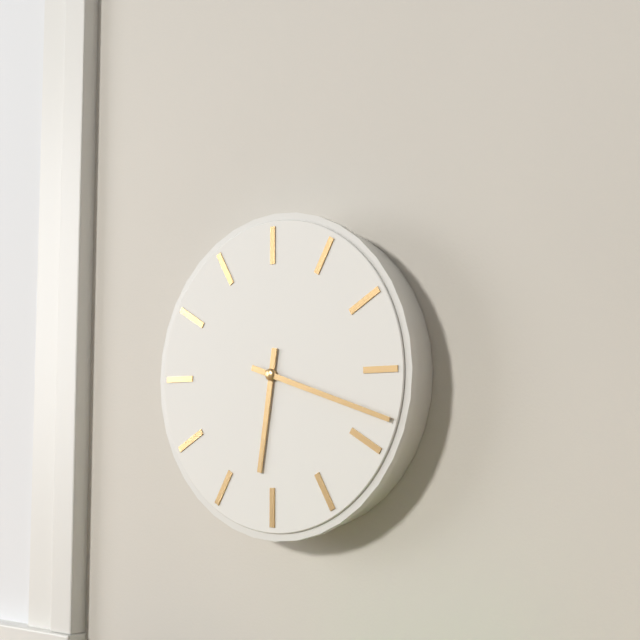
6:18
